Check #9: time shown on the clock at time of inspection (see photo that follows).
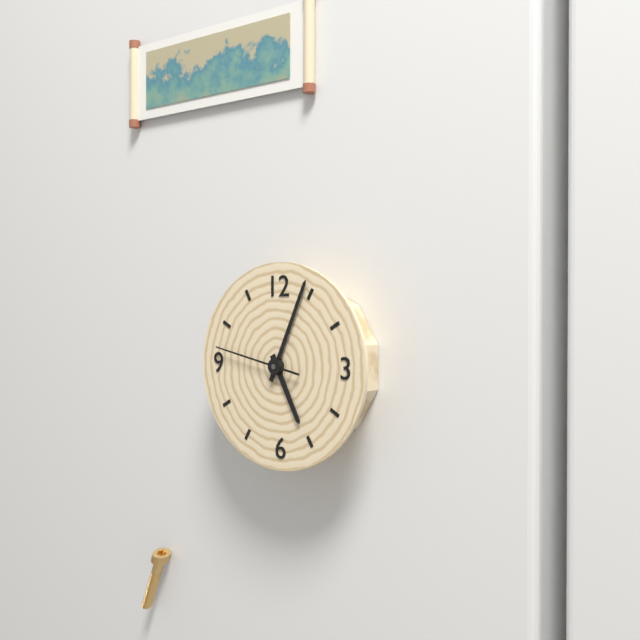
5:04:47
